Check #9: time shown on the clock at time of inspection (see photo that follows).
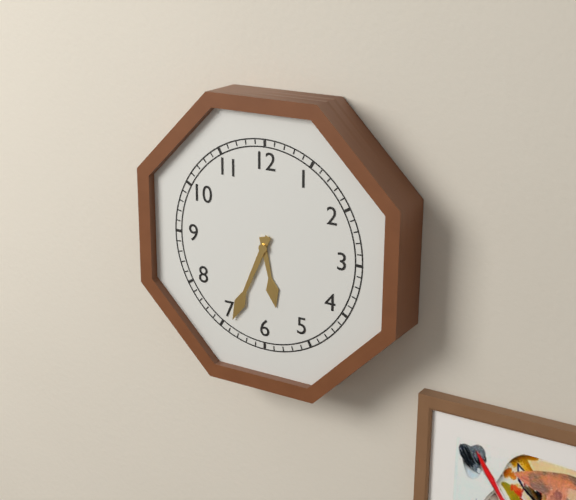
5:34
